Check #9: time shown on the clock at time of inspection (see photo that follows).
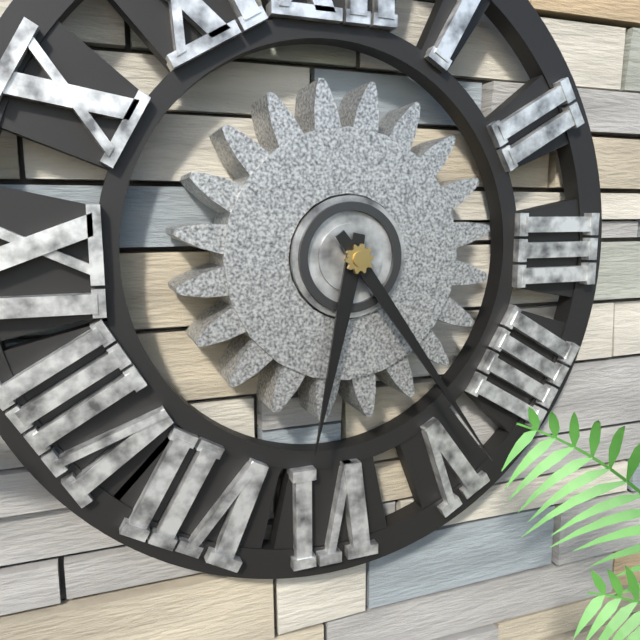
6:24
